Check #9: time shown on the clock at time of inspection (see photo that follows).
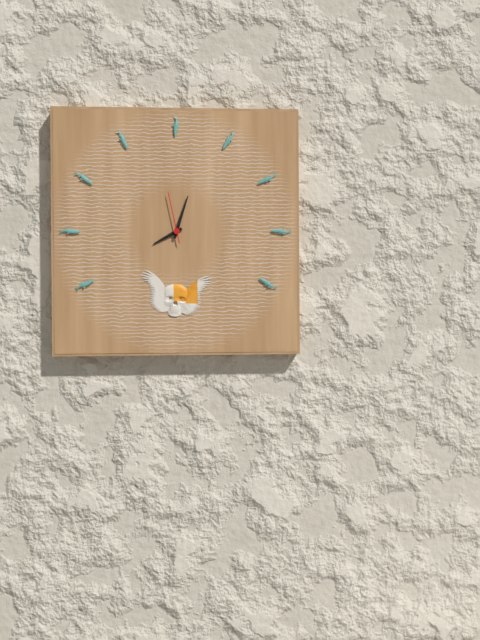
8:03:58
